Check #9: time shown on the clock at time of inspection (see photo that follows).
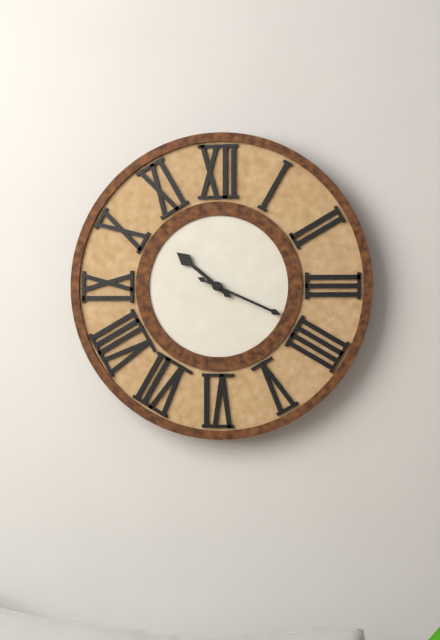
10:19
